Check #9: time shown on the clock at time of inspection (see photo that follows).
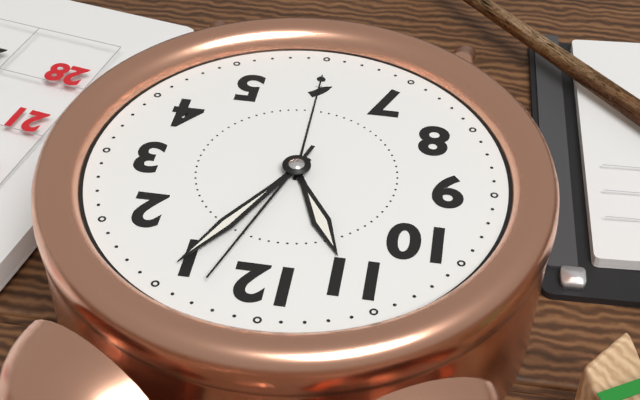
11:05:03
